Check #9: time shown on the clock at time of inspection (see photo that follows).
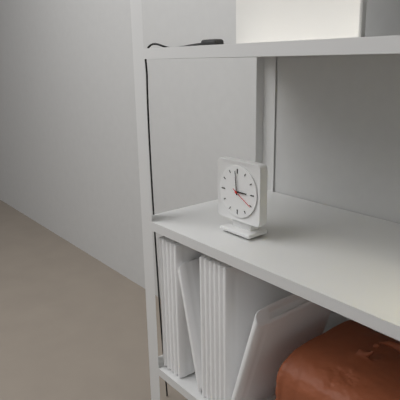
2:59
